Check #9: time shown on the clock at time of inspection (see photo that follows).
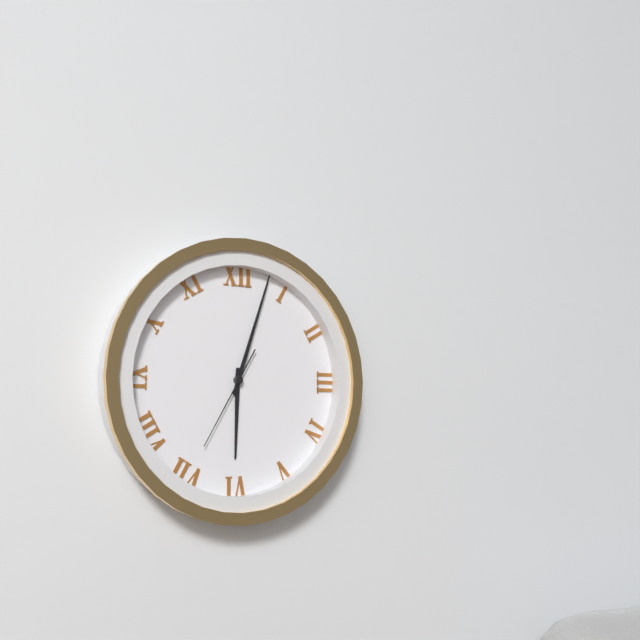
6:03:35
